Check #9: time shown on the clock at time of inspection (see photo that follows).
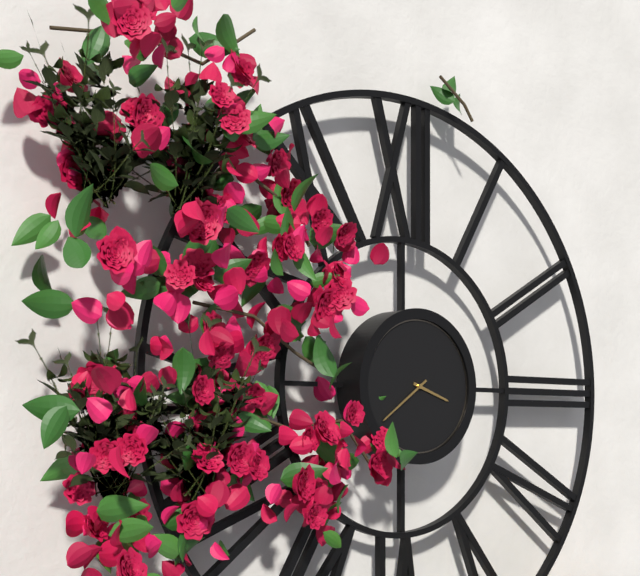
3:39
